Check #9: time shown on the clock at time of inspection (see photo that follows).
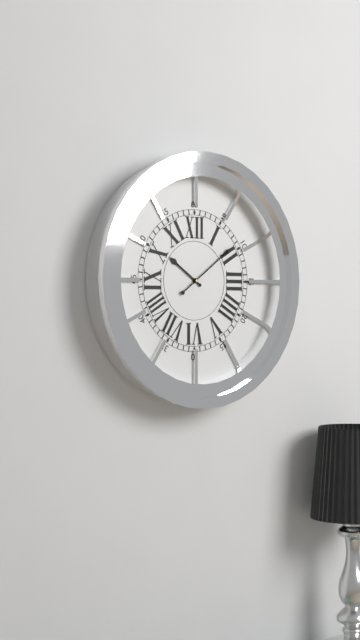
10:09
